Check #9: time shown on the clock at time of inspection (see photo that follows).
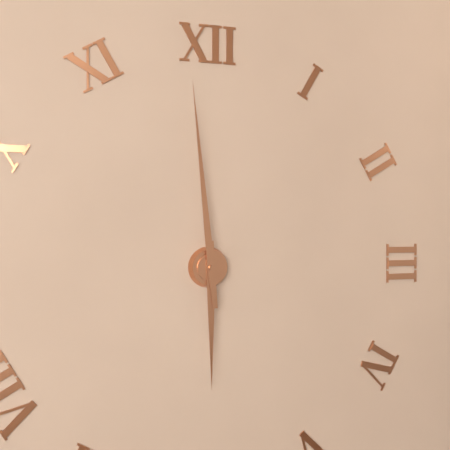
5:59
